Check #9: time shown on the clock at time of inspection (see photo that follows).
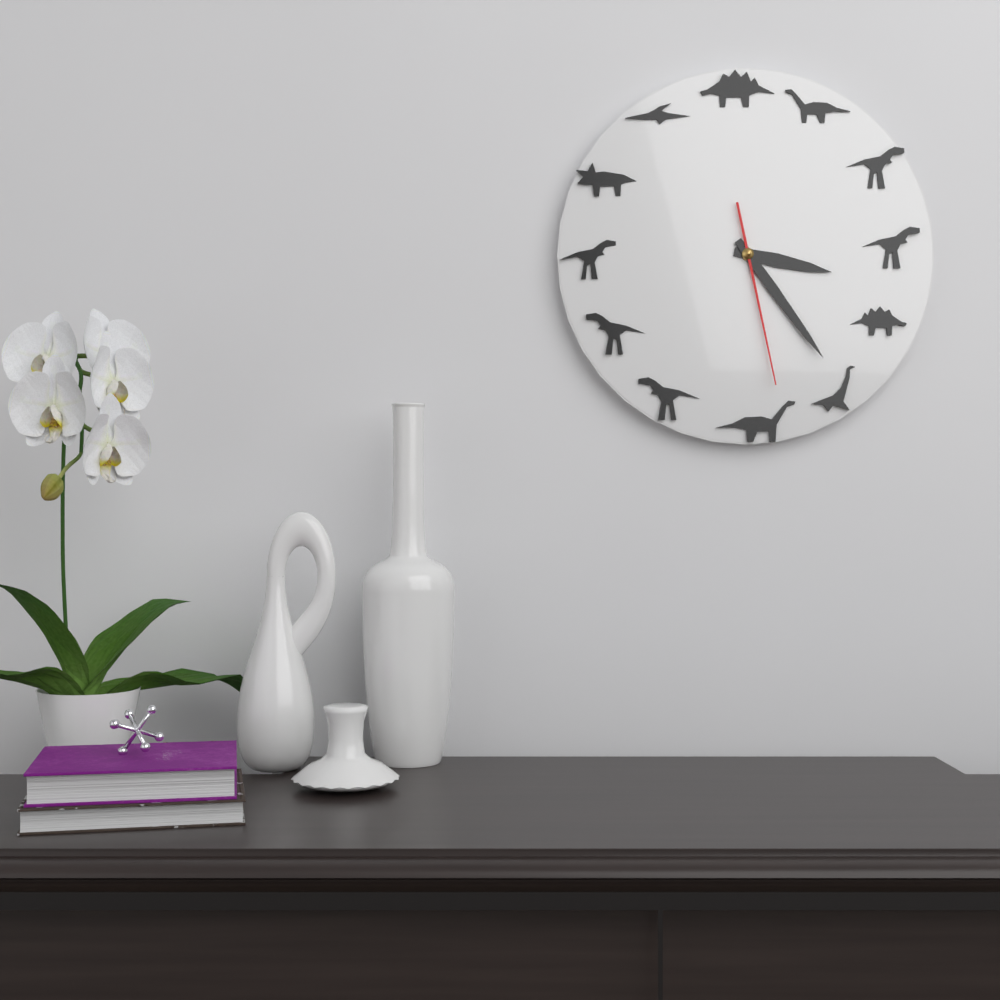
3:24:28
